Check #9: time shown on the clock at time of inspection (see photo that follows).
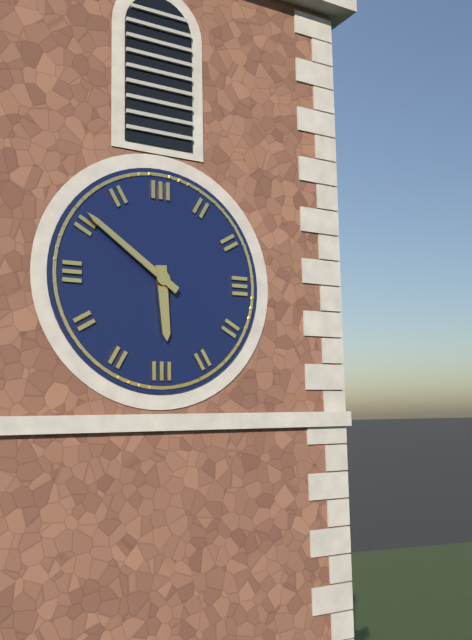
5:51
